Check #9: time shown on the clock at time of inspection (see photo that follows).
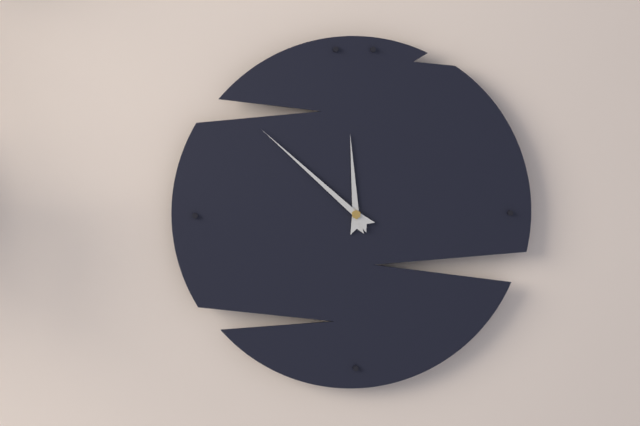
11:52
